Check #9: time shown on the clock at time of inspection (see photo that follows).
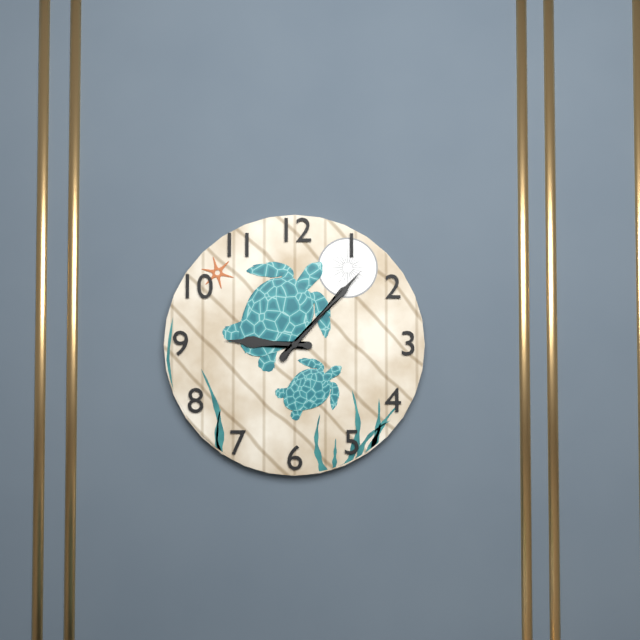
9:07
